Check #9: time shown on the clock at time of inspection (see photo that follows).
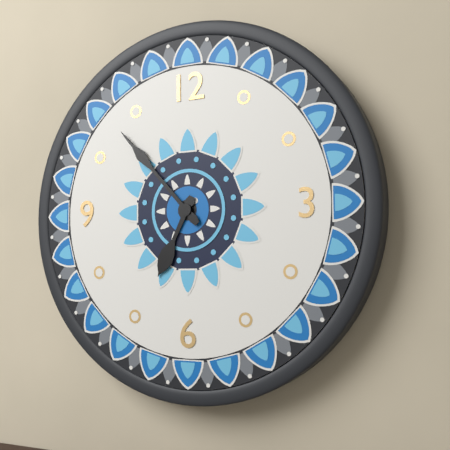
6:53
